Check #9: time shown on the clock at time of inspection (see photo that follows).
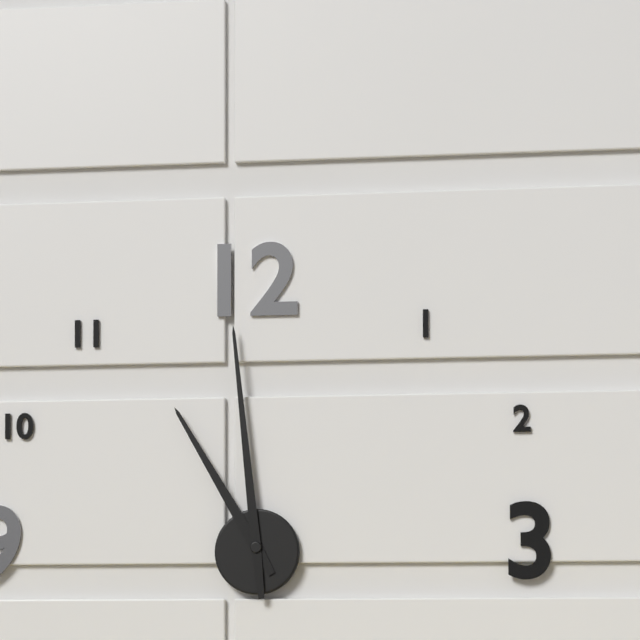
10:59
